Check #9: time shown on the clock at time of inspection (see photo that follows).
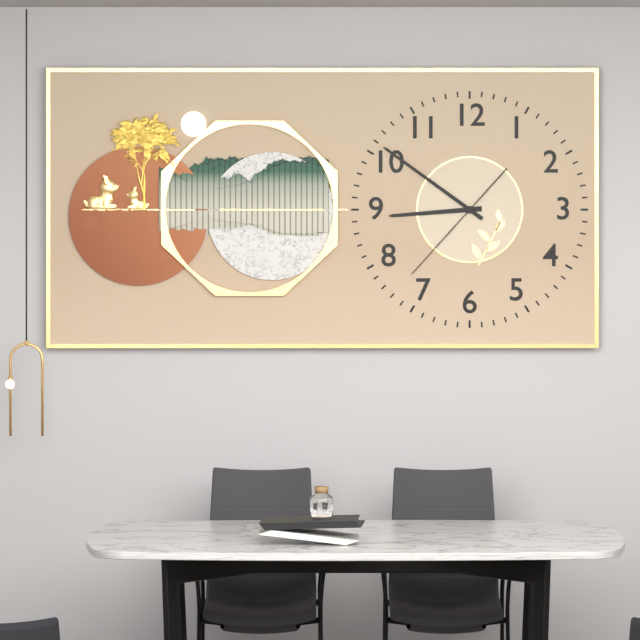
8:51:37
